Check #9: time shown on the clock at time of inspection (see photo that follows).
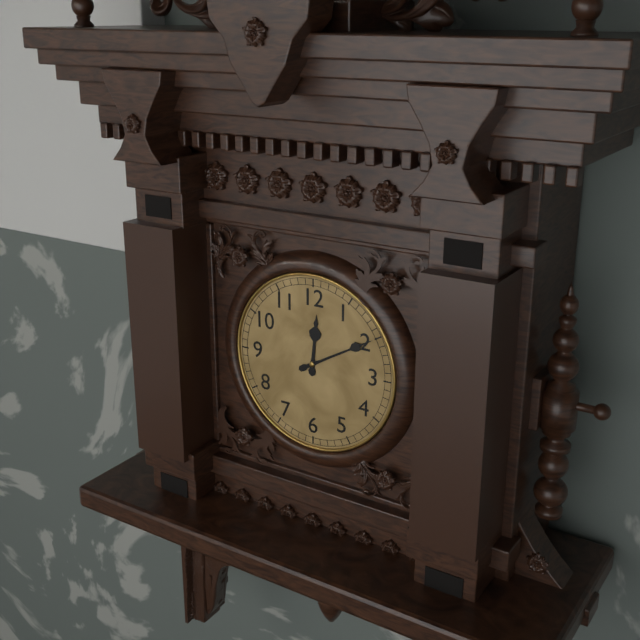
12:10
